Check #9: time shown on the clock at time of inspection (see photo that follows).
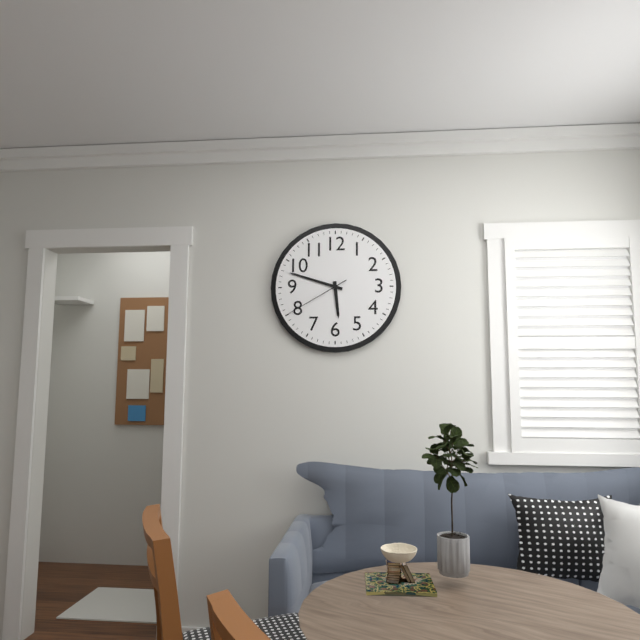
5:48:40
